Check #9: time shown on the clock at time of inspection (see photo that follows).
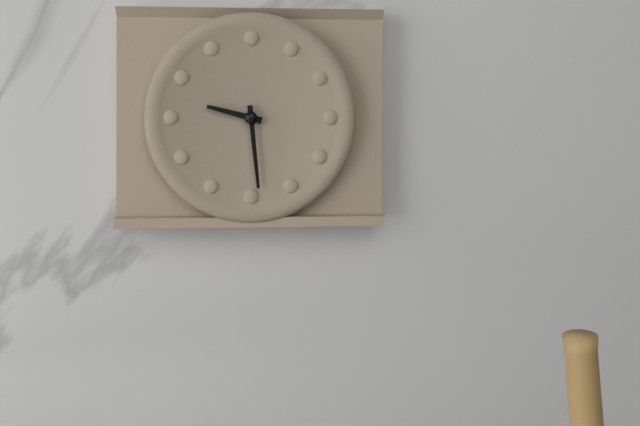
9:29
